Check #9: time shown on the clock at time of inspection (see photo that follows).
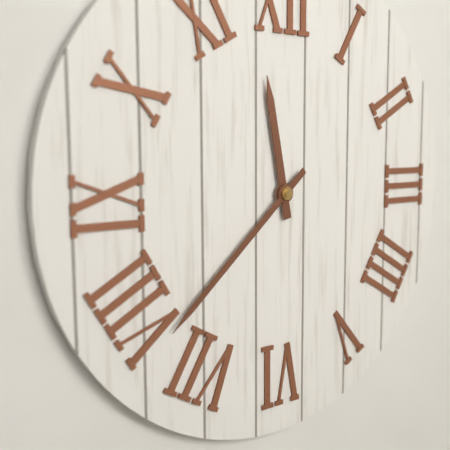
11:38
